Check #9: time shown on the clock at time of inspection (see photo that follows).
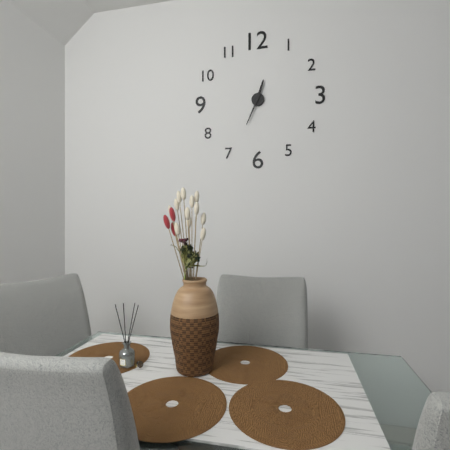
12:34
